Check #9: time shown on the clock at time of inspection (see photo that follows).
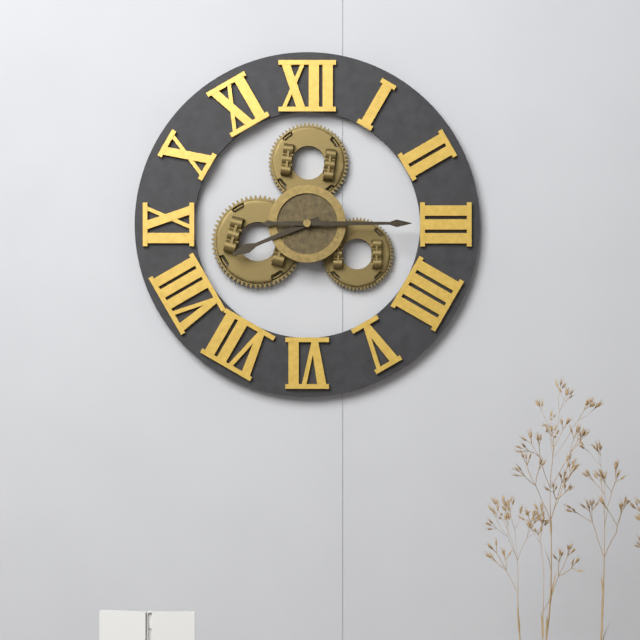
8:15
